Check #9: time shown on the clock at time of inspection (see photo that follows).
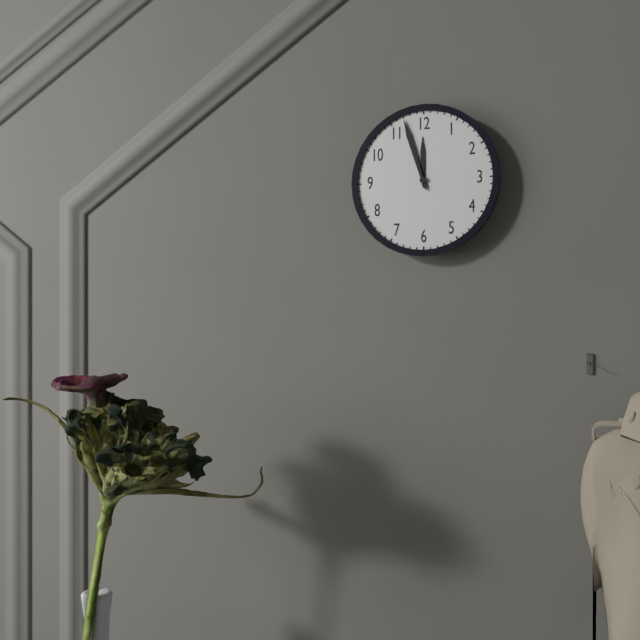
11:57
